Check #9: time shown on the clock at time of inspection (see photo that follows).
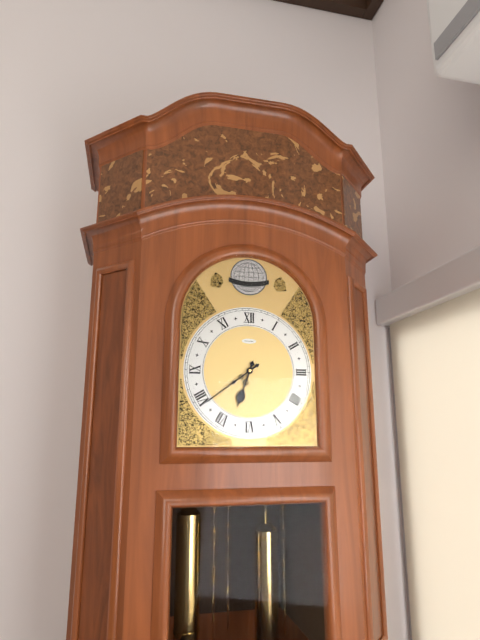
6:39
